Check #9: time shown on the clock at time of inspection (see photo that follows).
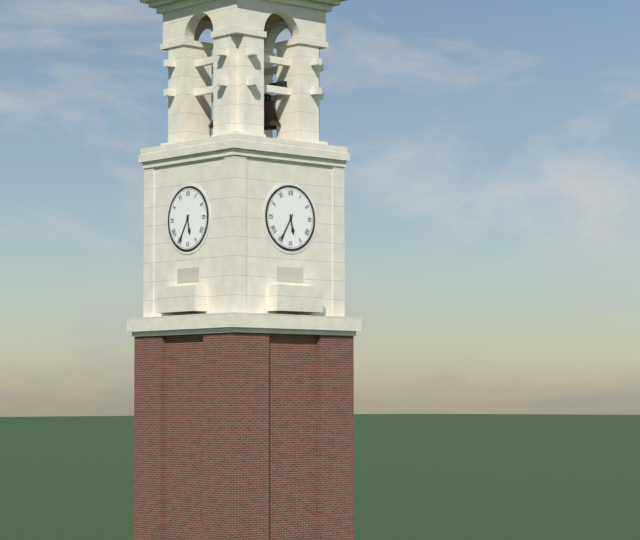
5:35
